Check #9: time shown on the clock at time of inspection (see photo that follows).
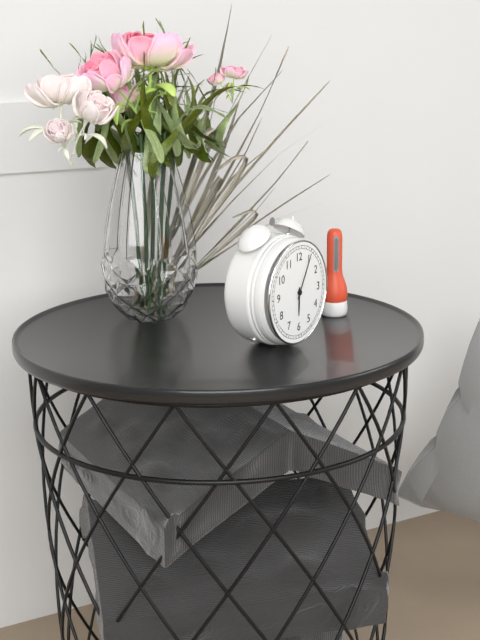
6:05
